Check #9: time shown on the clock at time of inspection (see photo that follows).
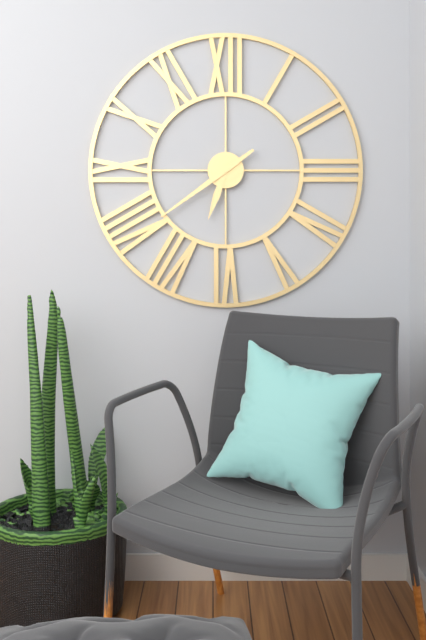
6:39
